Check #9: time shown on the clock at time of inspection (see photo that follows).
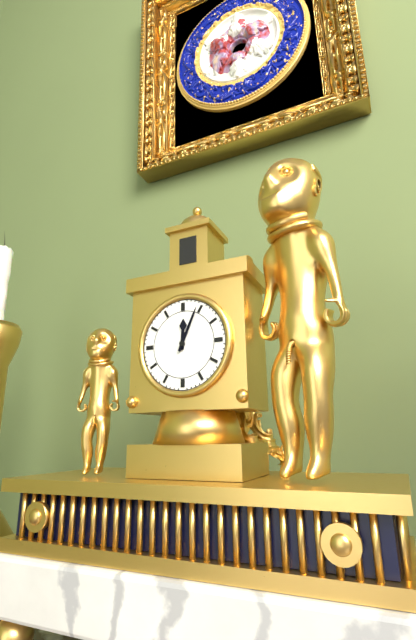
12:04
